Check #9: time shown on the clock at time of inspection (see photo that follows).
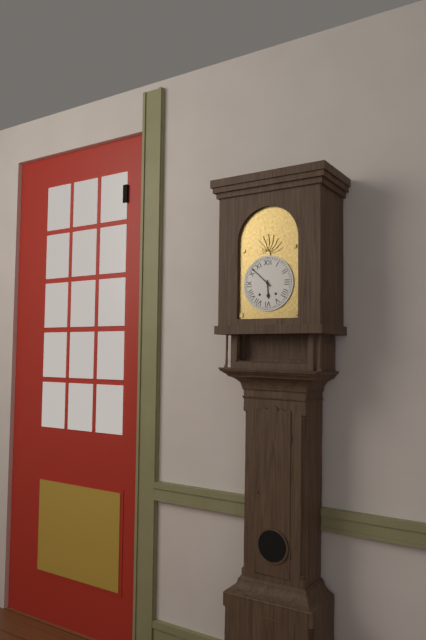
5:52
